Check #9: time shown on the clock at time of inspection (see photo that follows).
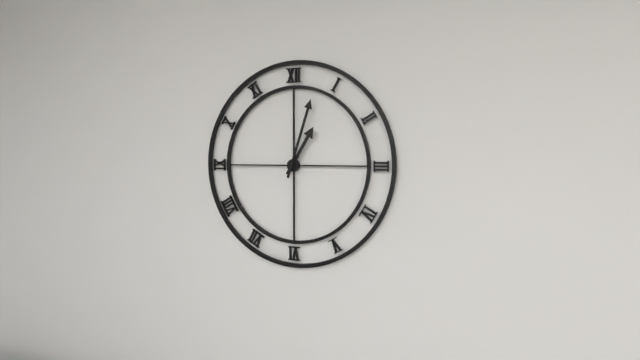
1:03
